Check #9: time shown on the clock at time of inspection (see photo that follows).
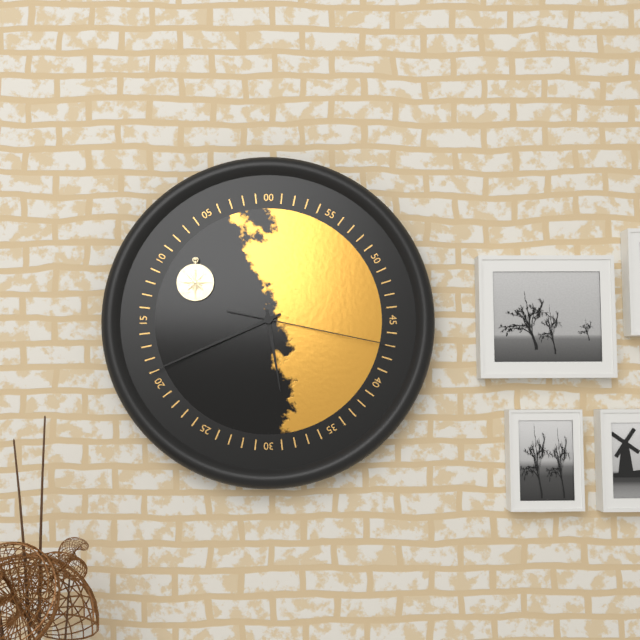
5:41:17
